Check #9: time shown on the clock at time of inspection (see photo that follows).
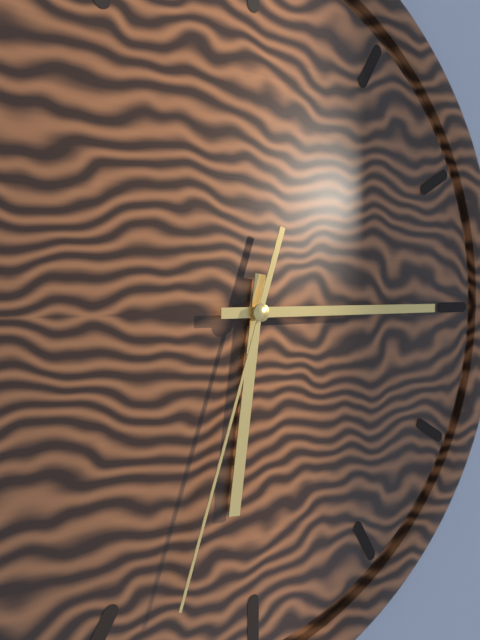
6:15:33
